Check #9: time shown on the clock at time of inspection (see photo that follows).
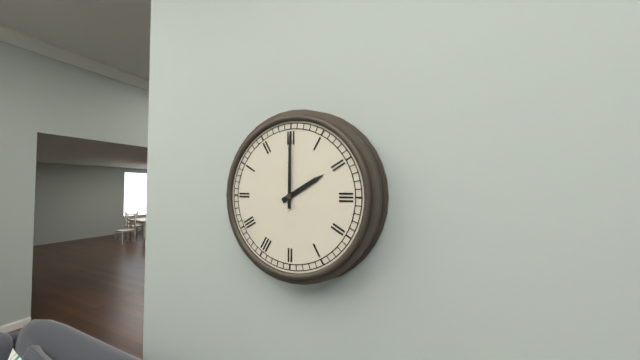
2:00
